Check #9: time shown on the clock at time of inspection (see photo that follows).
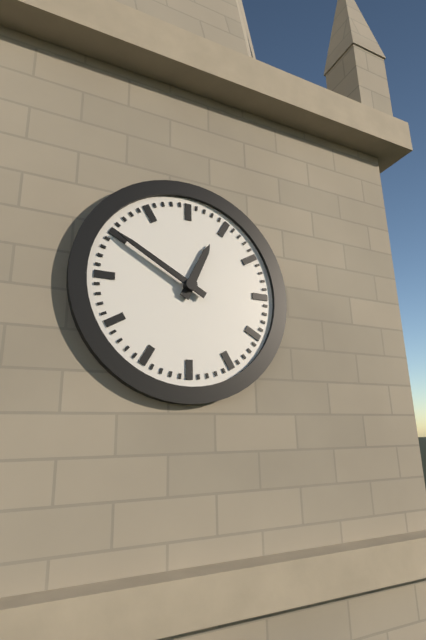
12:50
